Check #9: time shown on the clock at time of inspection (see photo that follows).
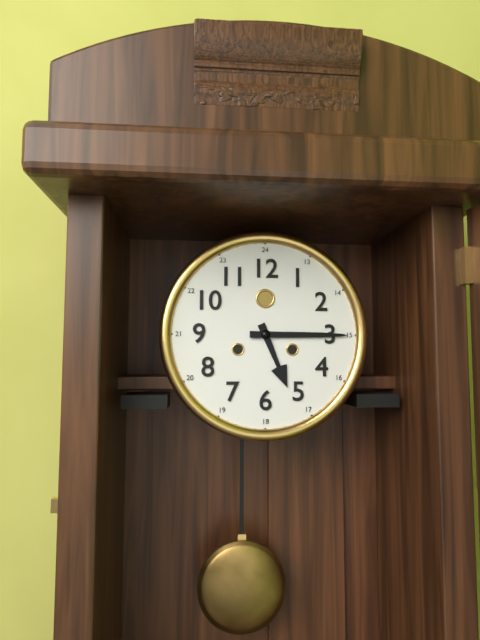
5:15
